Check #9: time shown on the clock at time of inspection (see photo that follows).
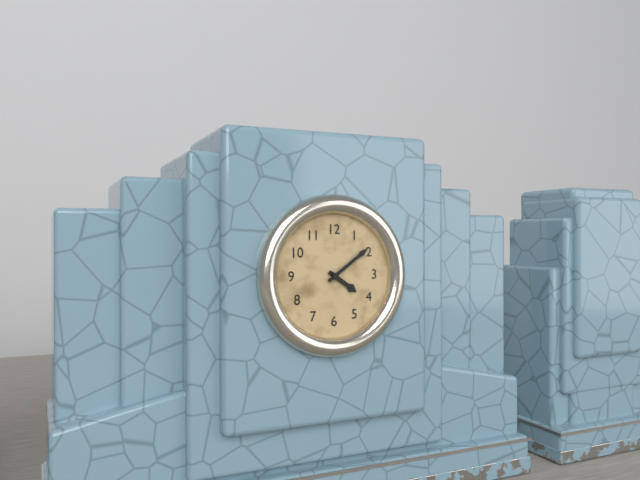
4:09
